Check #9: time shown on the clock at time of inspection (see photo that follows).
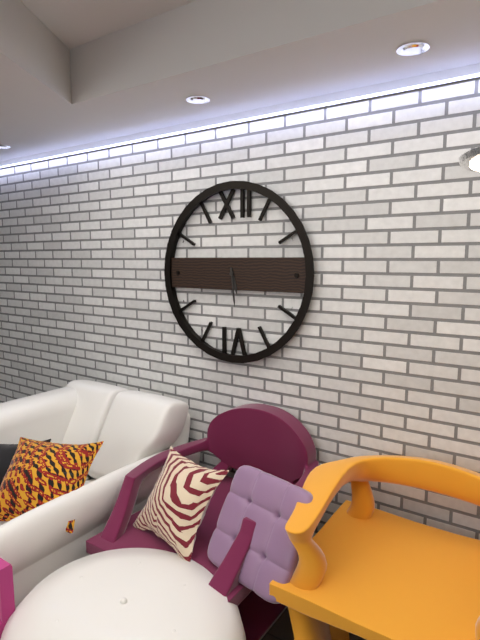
5:29
